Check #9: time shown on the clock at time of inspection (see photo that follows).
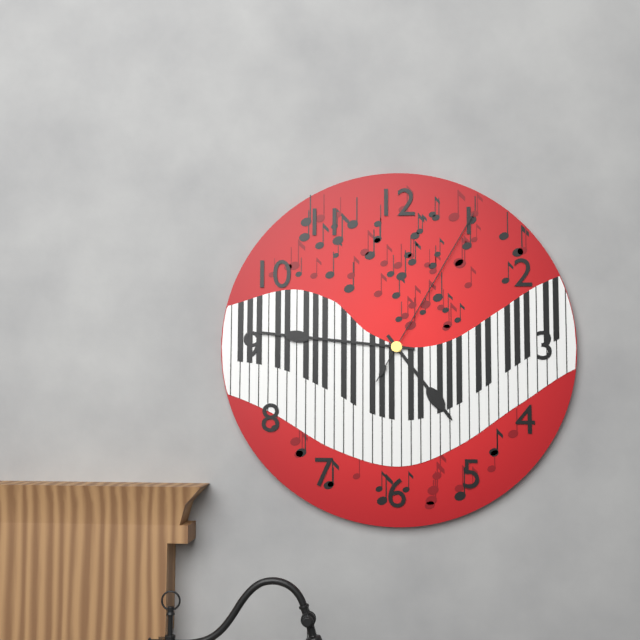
4:46:05
